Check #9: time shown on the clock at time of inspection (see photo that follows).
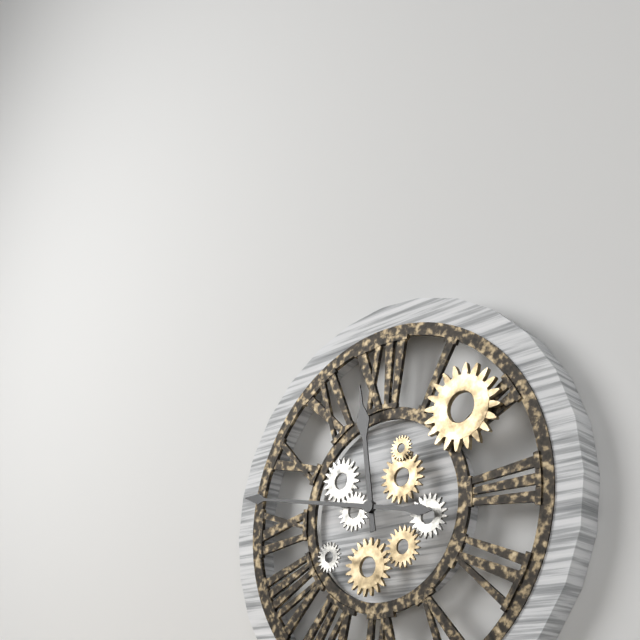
11:47
